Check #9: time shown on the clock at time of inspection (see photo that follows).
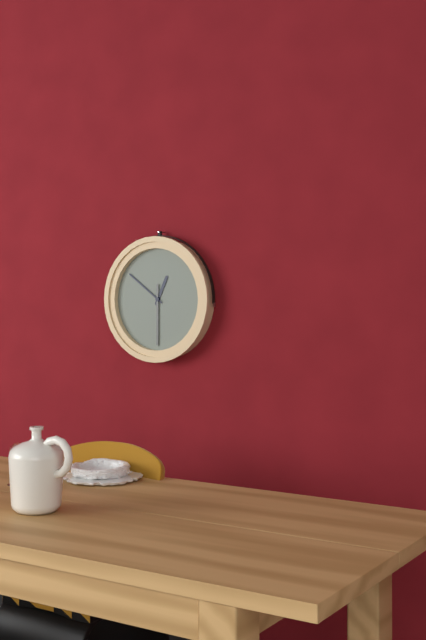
12:51:30
